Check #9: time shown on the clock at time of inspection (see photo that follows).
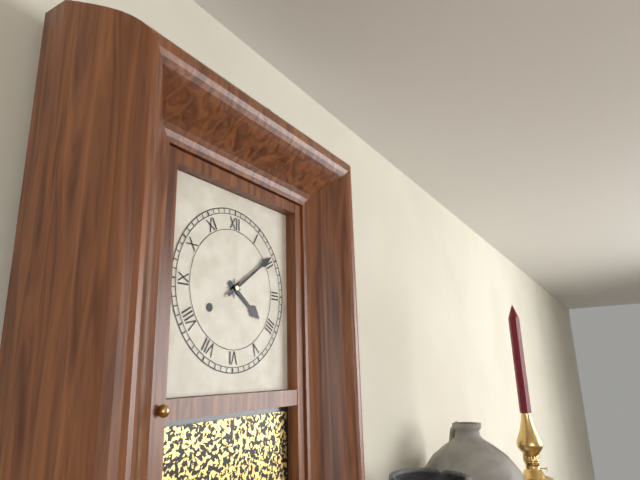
4:09
